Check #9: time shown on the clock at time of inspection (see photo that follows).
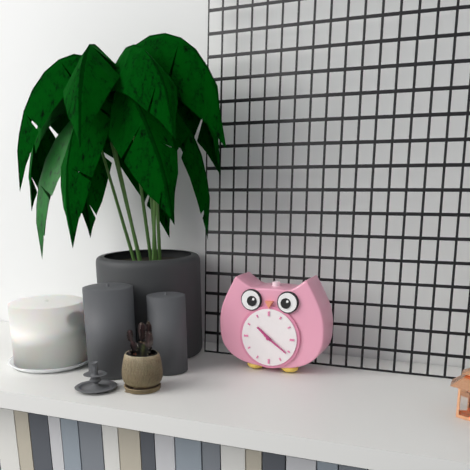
10:21
